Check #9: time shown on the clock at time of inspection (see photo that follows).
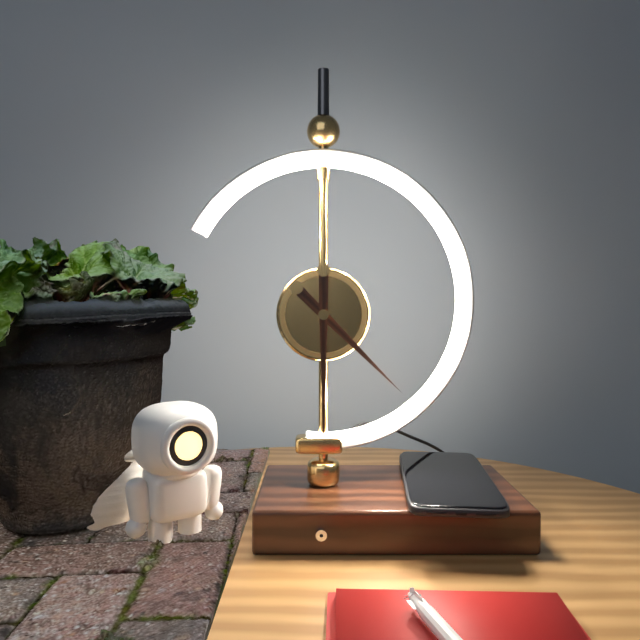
4:30
